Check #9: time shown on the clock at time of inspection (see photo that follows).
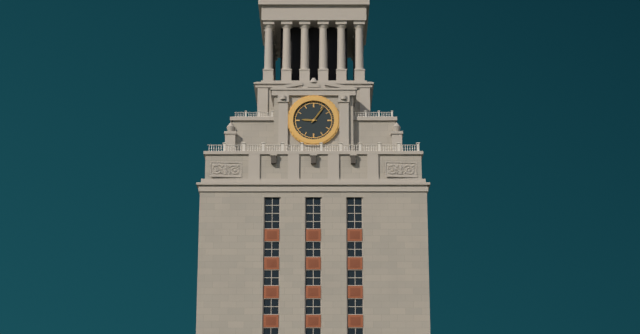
9:06
